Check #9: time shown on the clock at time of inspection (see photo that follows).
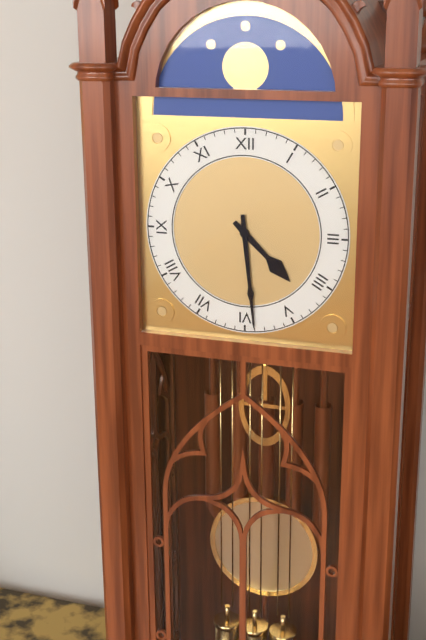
4:29
